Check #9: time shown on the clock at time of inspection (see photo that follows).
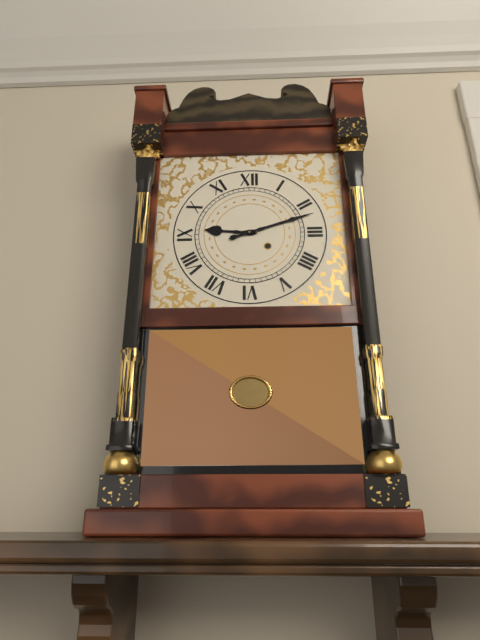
9:12
